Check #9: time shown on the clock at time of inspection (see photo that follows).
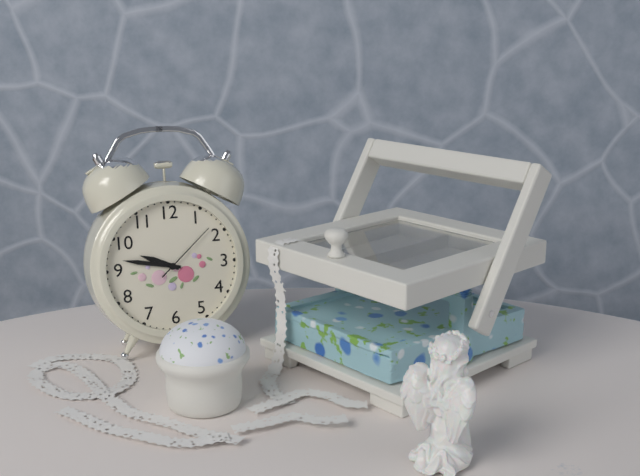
9:47:08
